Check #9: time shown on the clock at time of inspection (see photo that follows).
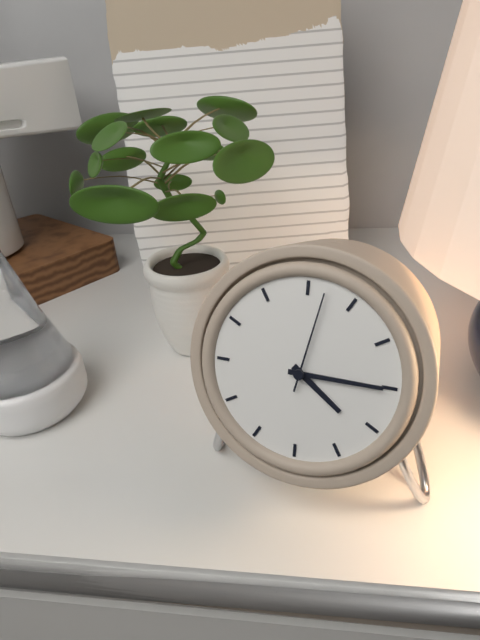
4:15:02
